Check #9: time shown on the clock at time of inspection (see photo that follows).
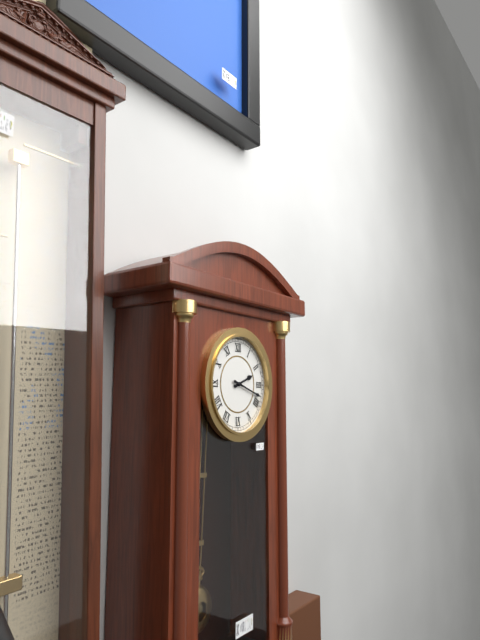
2:18
